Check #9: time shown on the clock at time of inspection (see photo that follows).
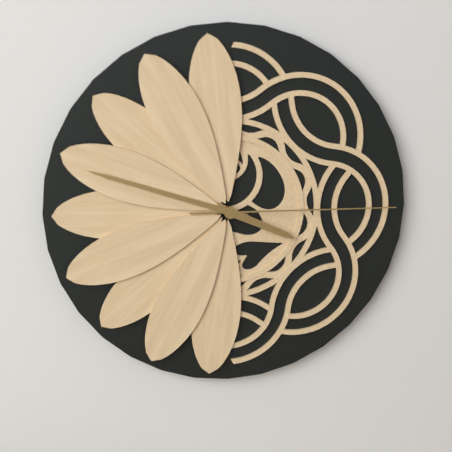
3:48:15
